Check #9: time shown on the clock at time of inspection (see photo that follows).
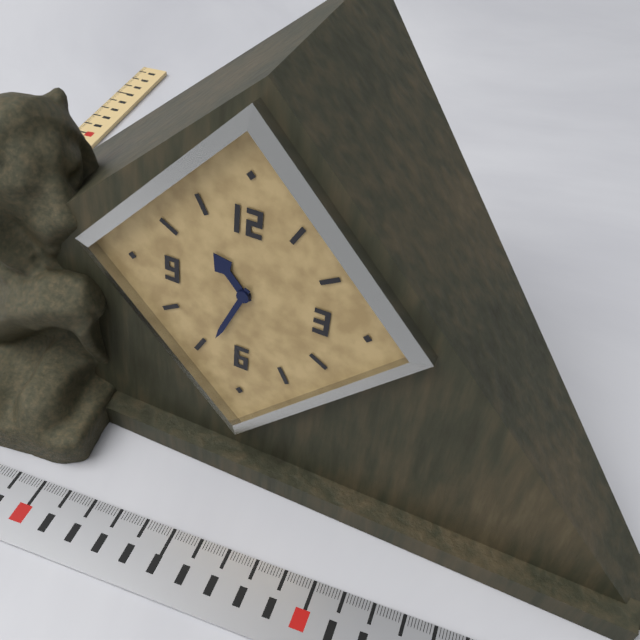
10:34
